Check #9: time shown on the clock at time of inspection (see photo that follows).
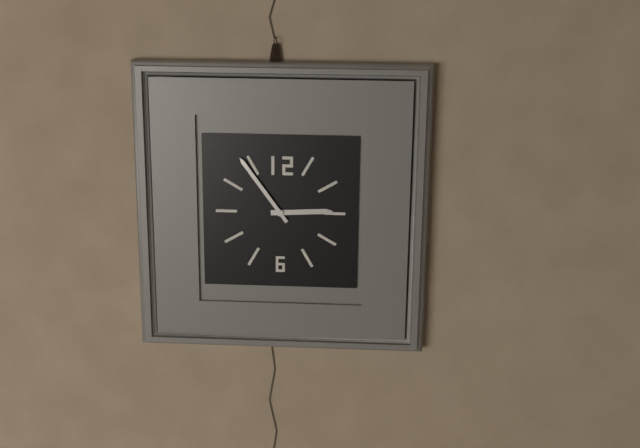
2:54
